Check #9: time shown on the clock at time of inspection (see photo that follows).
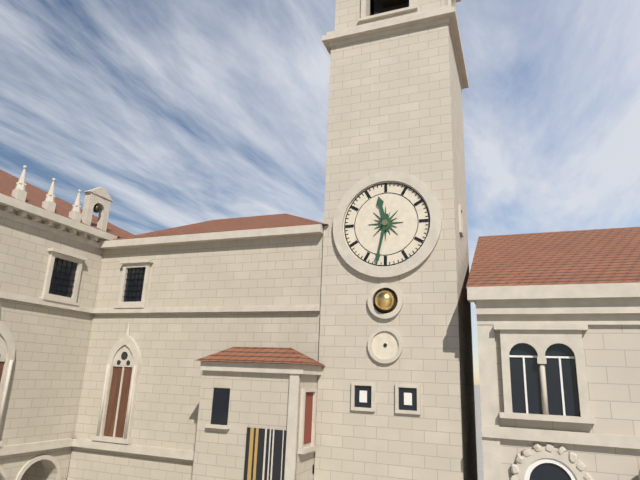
11:32
